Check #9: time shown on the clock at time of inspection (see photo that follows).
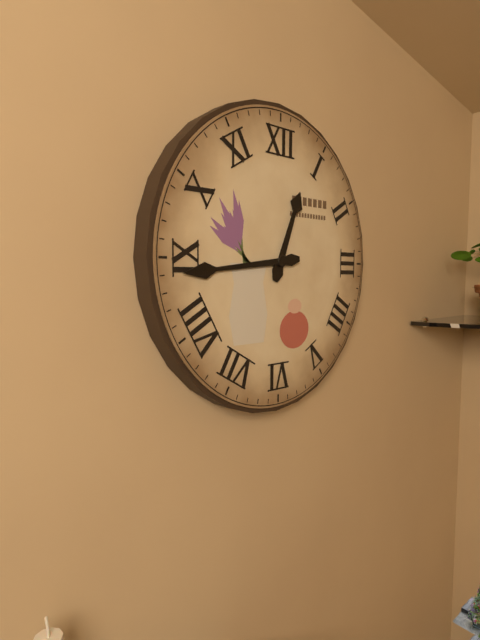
12:44
